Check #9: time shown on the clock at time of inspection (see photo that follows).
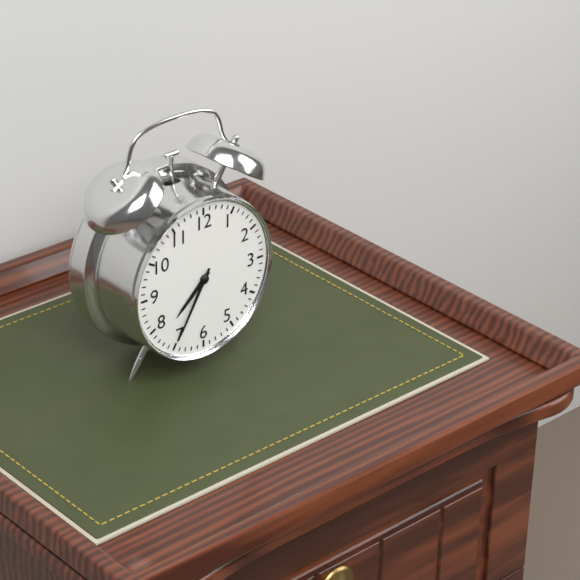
7:35
